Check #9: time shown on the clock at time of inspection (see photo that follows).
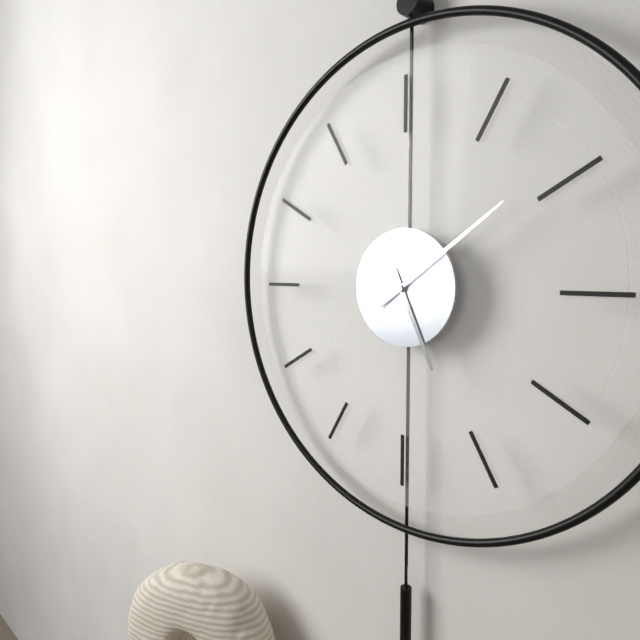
5:09
